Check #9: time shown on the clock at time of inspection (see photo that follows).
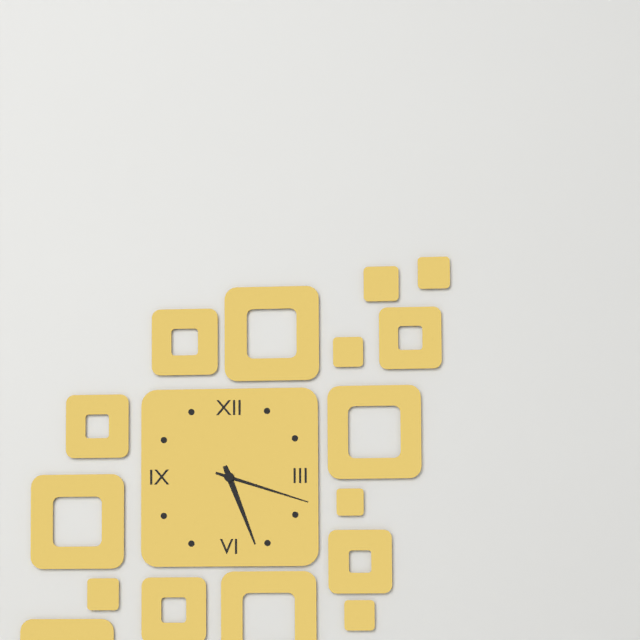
5:18
